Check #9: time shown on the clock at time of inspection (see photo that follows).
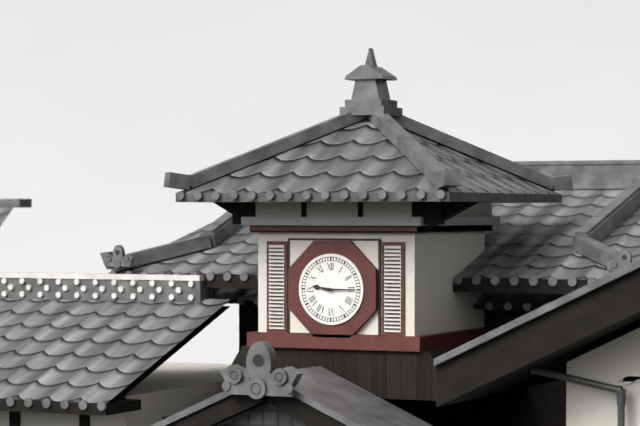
9:15
